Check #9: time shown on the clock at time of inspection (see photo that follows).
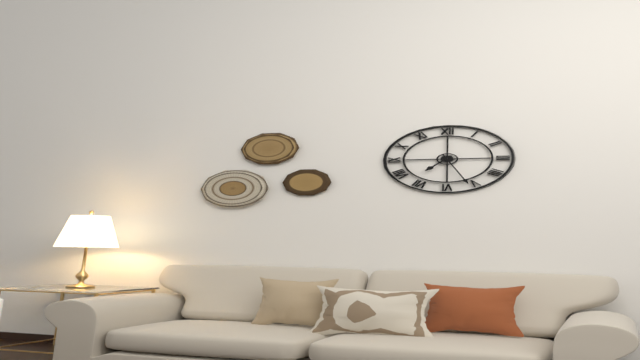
7:26
